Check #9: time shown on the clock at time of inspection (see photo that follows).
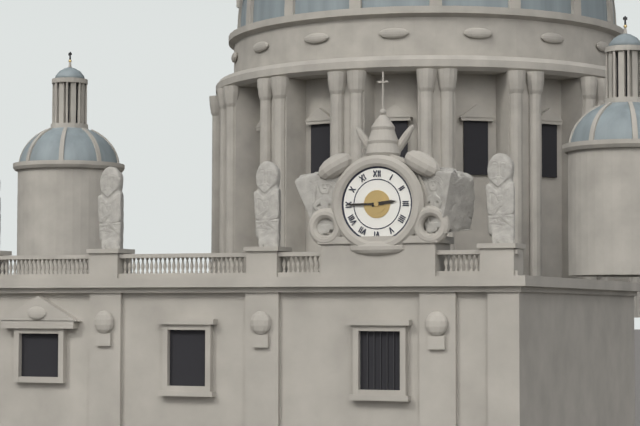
2:45
